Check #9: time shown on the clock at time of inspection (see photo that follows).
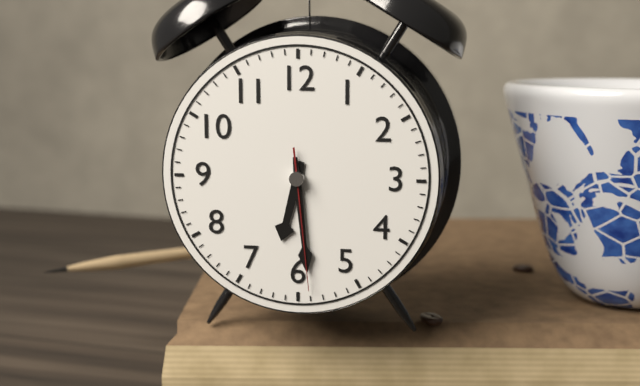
6:29:29
